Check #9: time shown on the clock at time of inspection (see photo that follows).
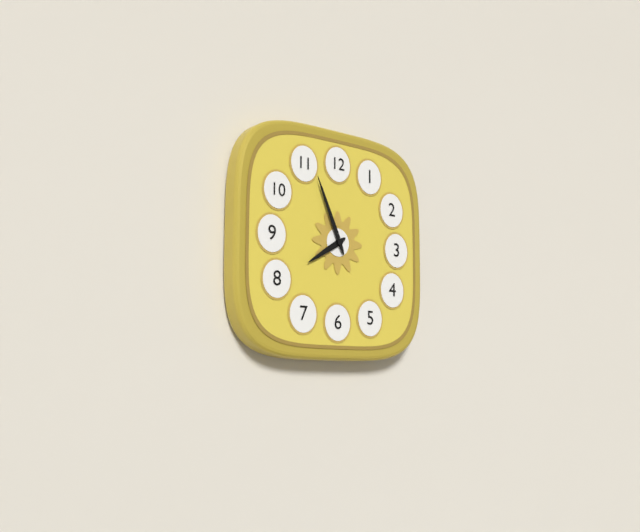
7:56
